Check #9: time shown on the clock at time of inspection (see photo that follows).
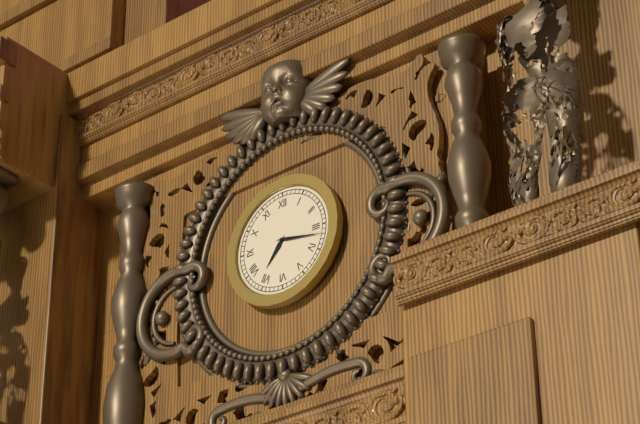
7:17
